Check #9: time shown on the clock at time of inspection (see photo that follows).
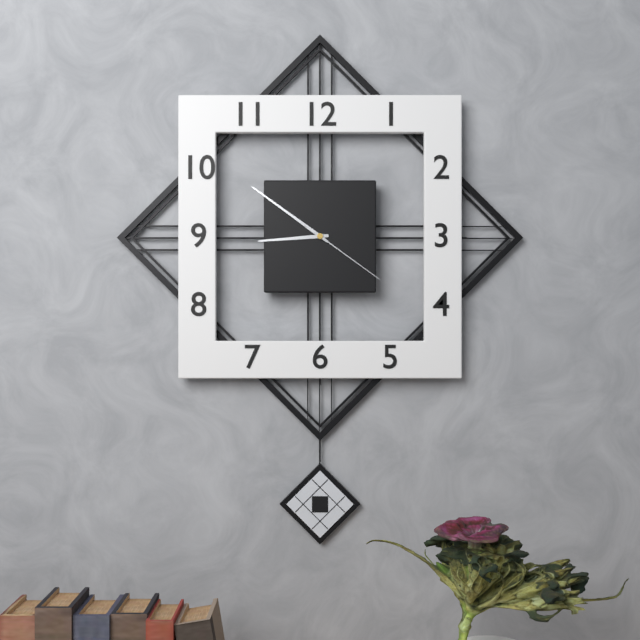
8:51:21
